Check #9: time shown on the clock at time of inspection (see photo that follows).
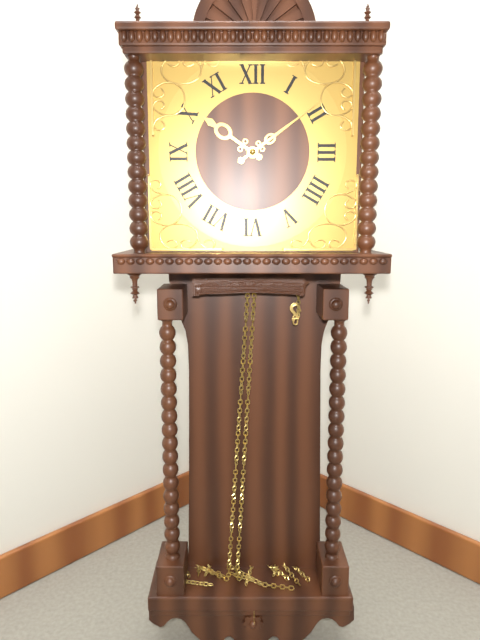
10:09
